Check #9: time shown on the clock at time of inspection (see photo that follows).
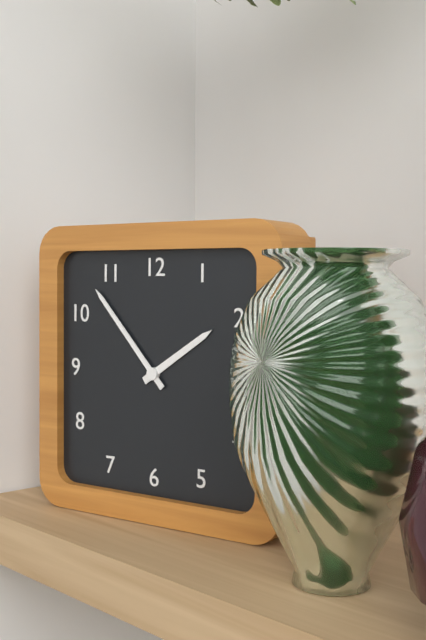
1:53
